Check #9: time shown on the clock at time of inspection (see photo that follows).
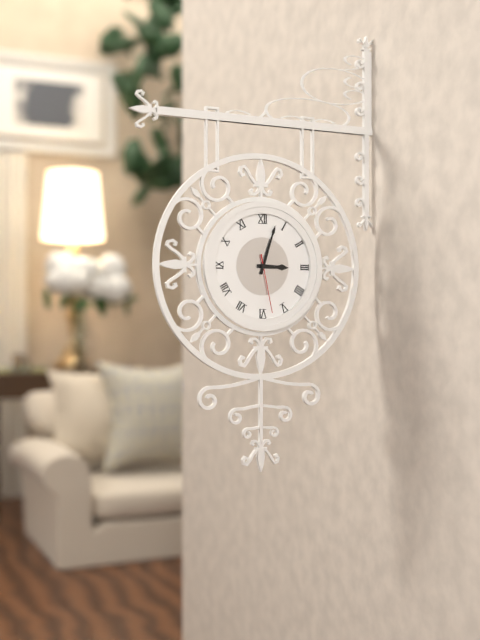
3:03:28
